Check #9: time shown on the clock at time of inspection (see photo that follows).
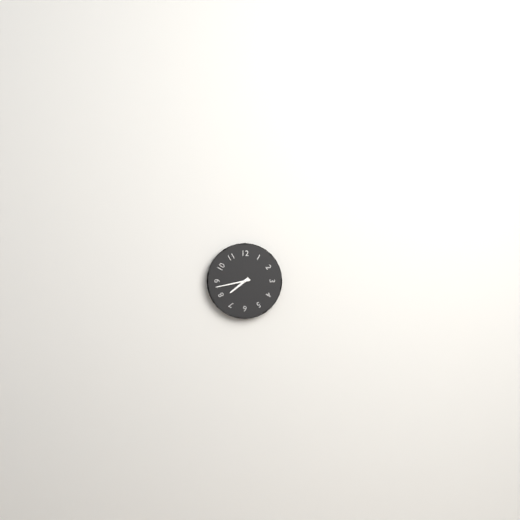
7:43
